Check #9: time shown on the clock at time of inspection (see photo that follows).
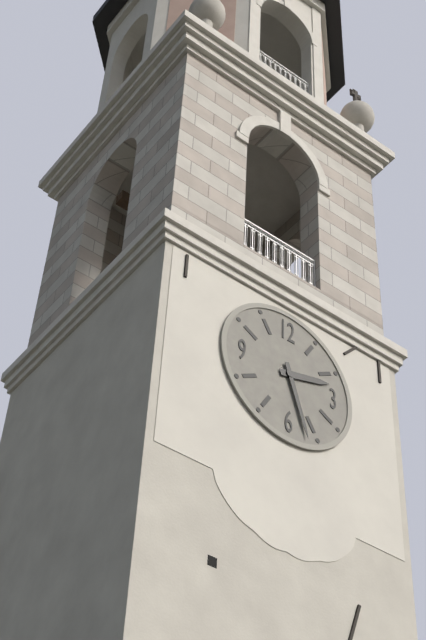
2:27
